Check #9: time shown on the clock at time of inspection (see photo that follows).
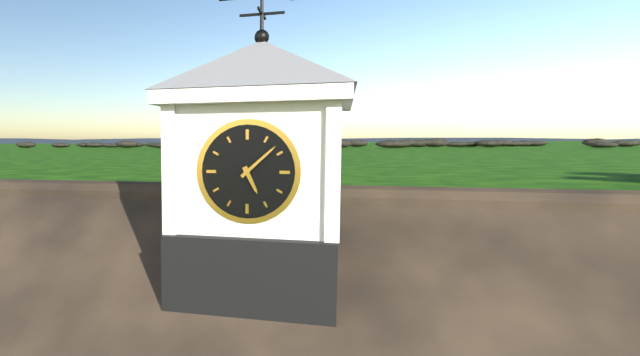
5:08
